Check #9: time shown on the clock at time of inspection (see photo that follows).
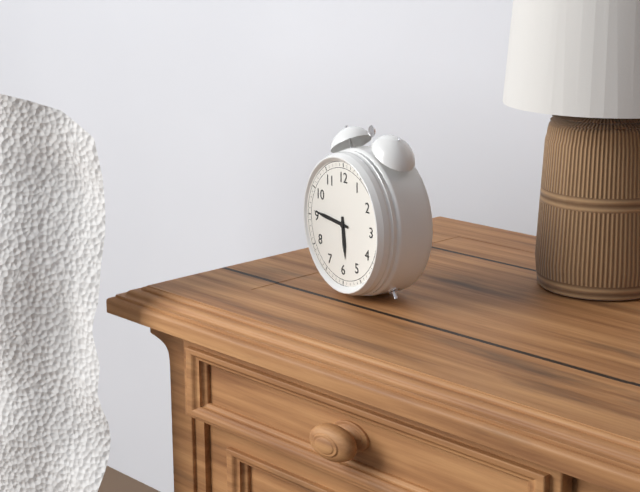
5:46
